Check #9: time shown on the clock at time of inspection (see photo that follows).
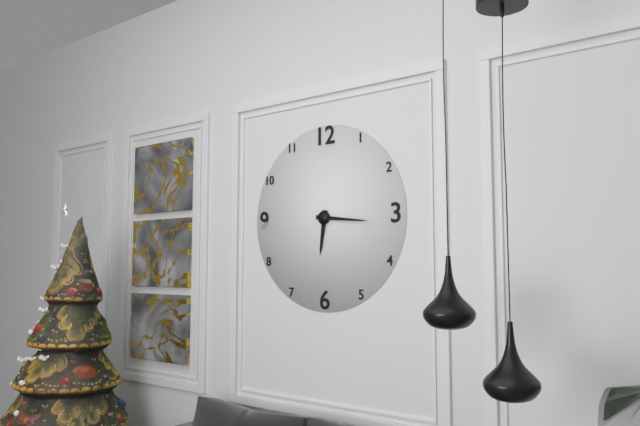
6:16
